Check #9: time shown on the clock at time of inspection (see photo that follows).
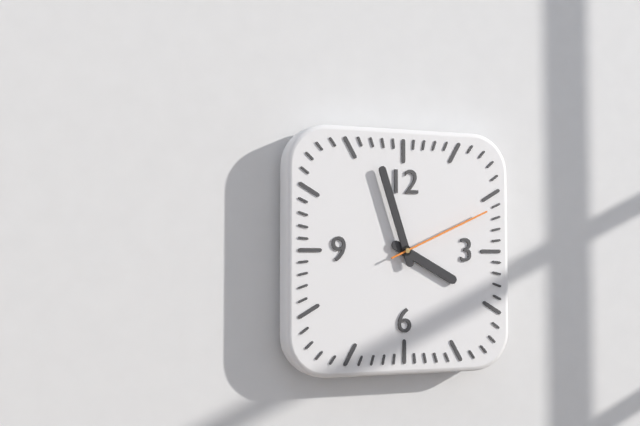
3:57:11
